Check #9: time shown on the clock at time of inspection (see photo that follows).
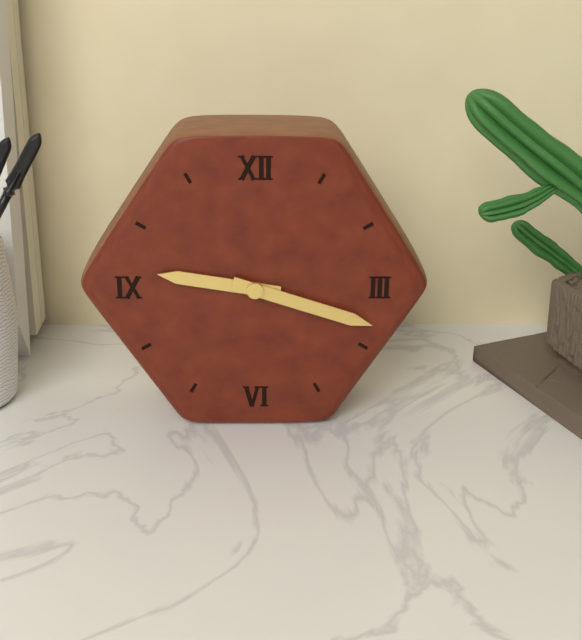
9:18
